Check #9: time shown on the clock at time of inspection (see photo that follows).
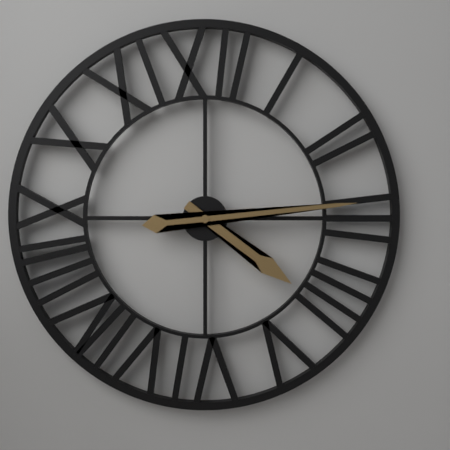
4:14
